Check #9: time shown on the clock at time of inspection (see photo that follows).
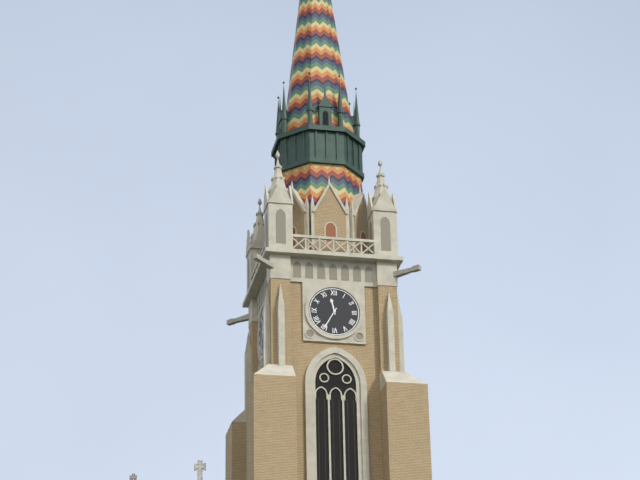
11:35
